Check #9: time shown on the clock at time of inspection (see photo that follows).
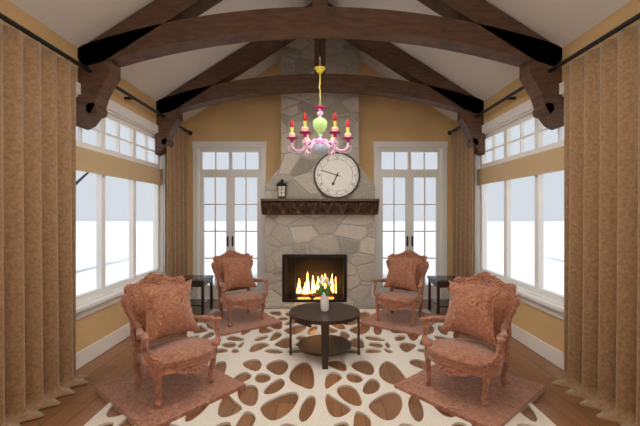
6:48
